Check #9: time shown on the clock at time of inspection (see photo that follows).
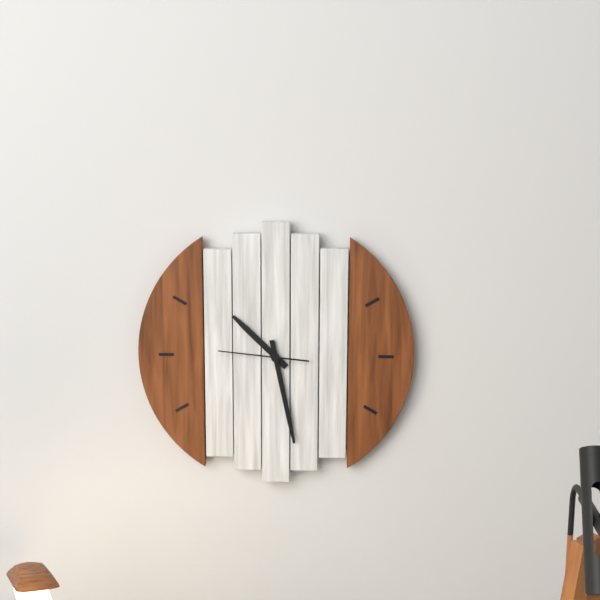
10:28:46
